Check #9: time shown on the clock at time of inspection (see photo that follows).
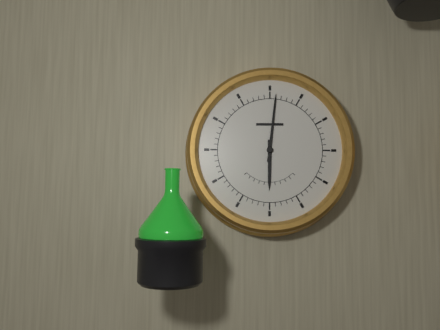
6:01
